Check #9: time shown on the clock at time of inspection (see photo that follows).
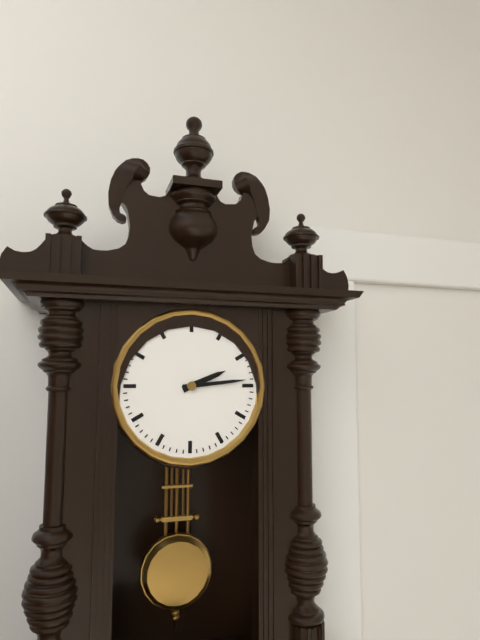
2:14
